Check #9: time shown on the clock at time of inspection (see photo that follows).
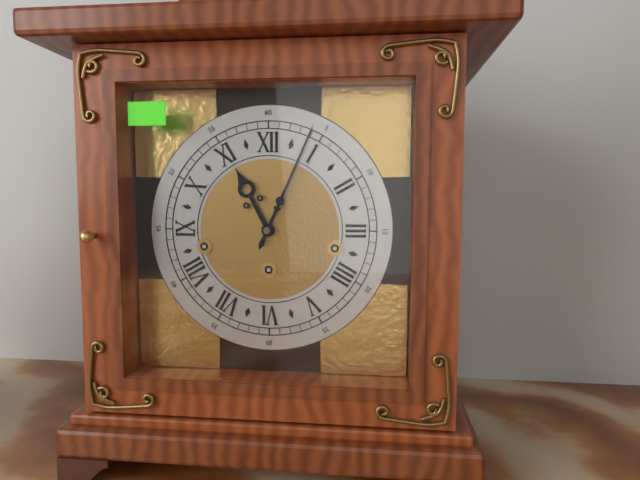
11:04
